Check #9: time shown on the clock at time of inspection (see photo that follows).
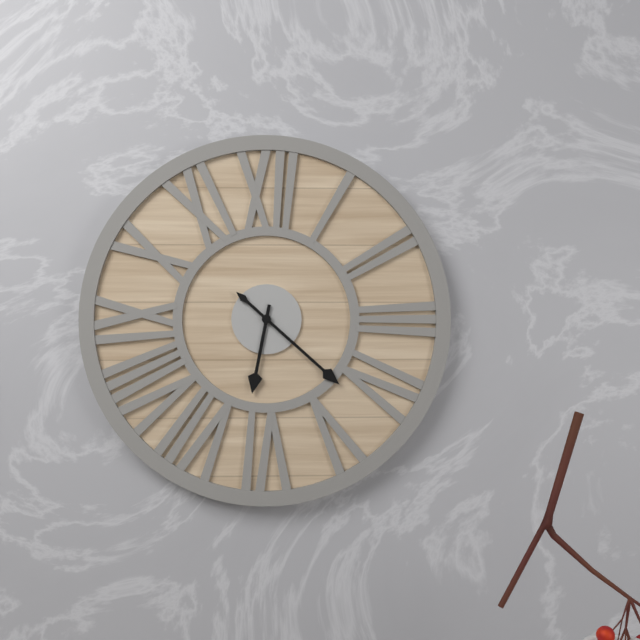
6:22
